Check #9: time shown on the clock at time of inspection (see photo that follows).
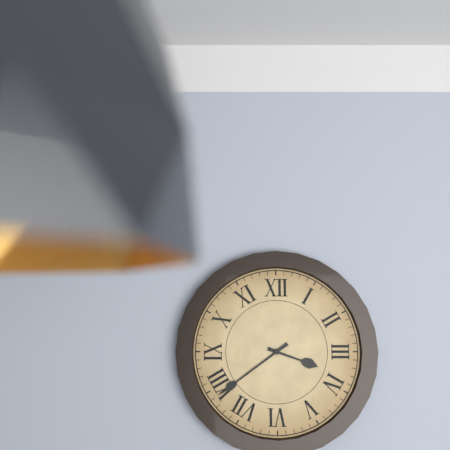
3:39
